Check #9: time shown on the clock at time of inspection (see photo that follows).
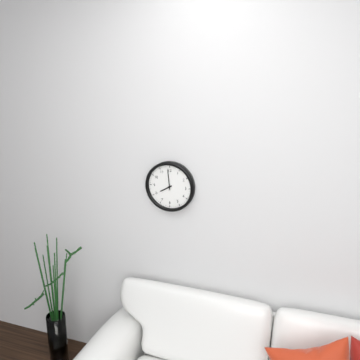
7:59
